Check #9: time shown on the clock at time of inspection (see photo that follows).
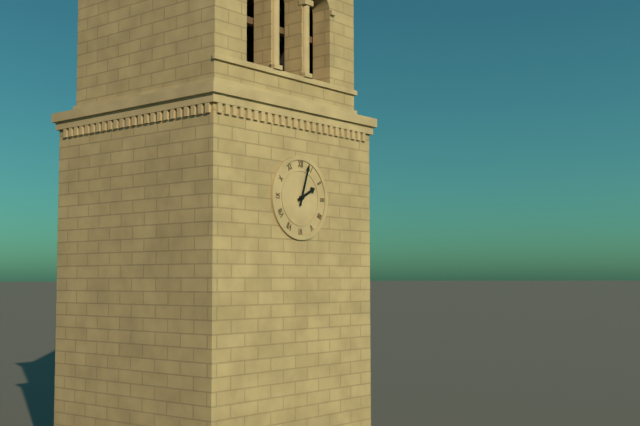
2:03
